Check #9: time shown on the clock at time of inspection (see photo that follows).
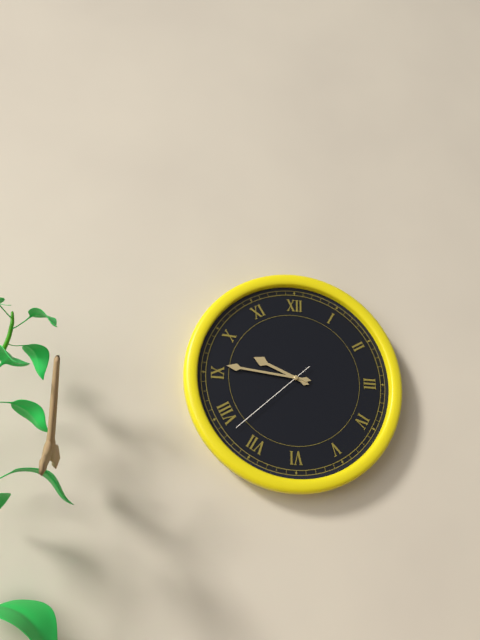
9:46:38
